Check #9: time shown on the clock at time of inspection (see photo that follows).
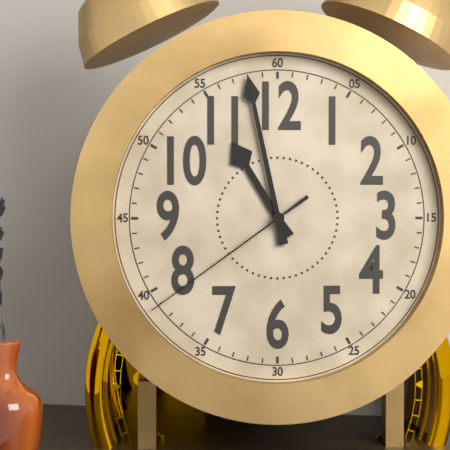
10:58:39
